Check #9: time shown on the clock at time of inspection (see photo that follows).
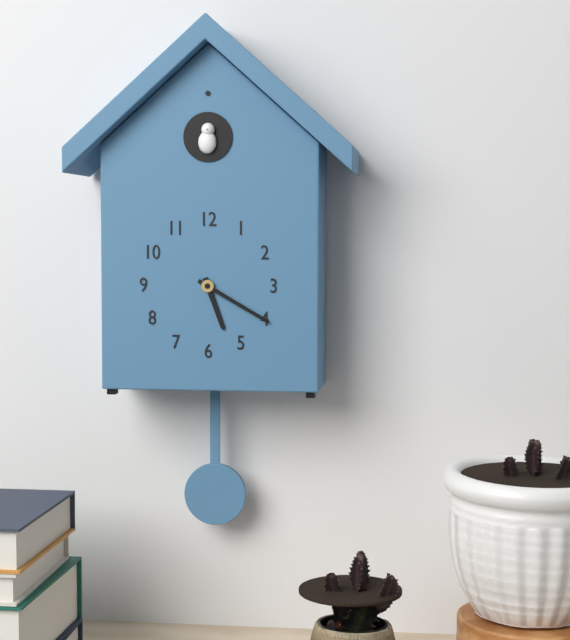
5:20
